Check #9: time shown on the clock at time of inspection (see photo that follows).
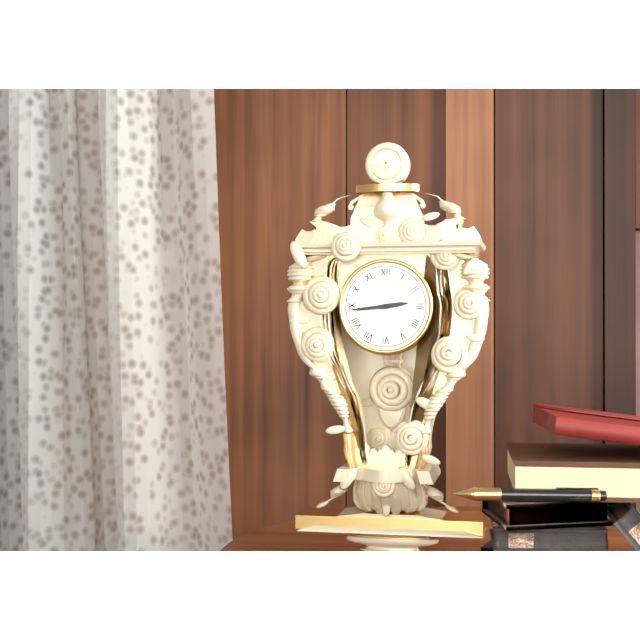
2:44
